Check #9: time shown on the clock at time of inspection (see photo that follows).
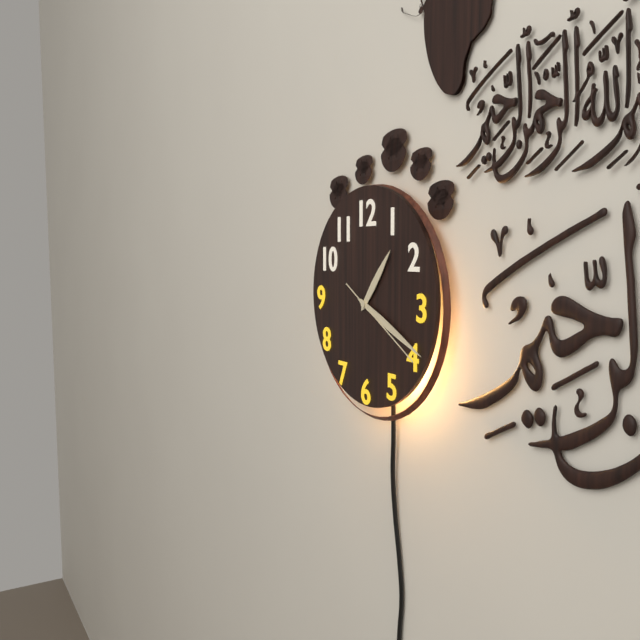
1:19:20
